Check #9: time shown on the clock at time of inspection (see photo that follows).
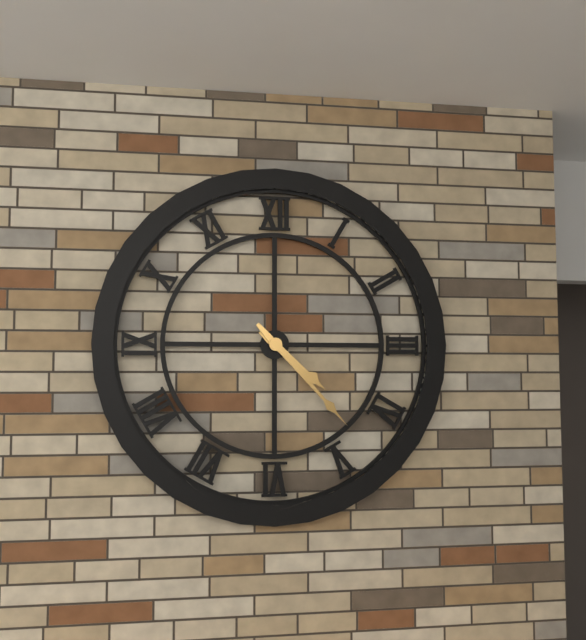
4:23
